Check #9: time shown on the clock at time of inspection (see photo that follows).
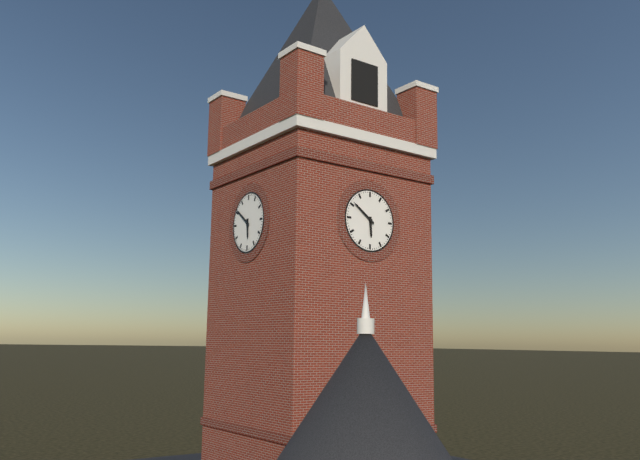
5:51
